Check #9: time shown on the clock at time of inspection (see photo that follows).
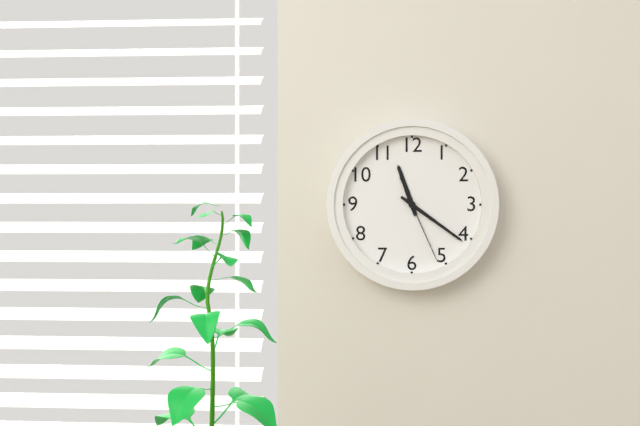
11:21:26
